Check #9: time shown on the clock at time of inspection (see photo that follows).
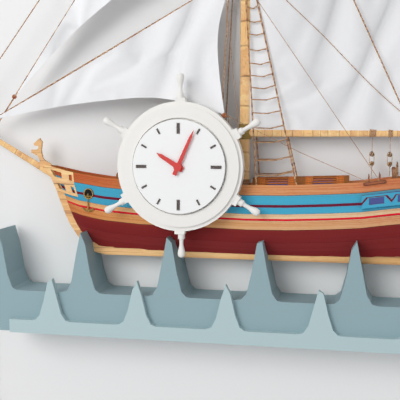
10:04
